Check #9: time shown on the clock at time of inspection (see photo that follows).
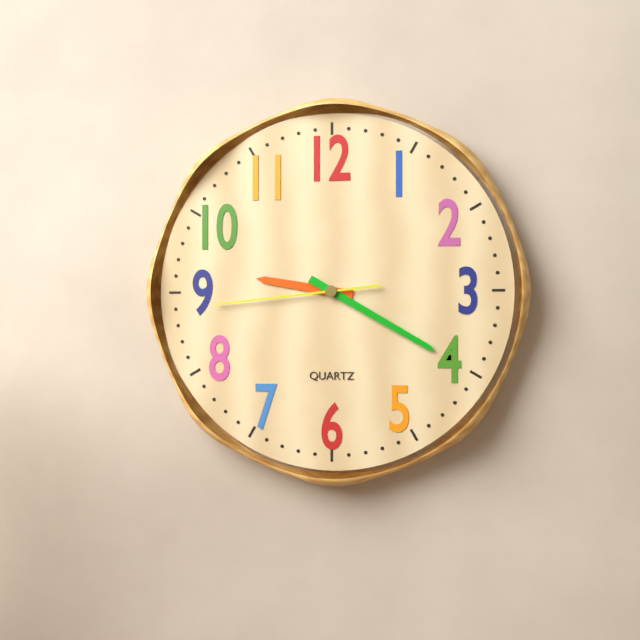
9:20:44
